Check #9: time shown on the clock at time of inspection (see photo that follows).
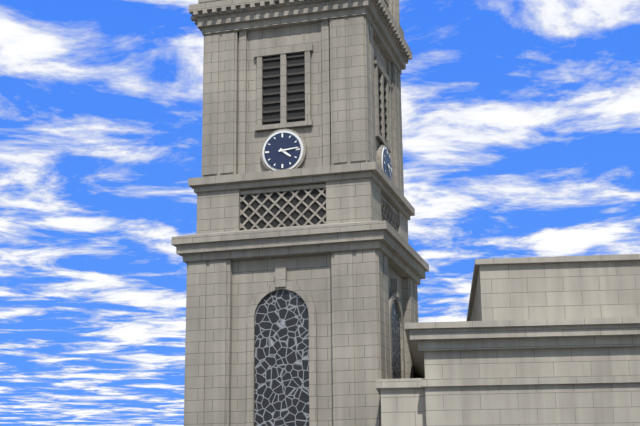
4:14
